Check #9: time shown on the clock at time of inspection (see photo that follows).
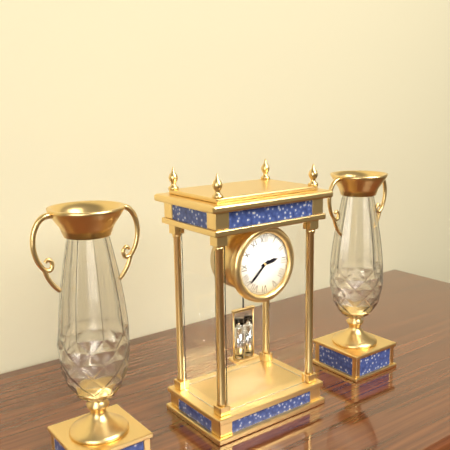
2:38
